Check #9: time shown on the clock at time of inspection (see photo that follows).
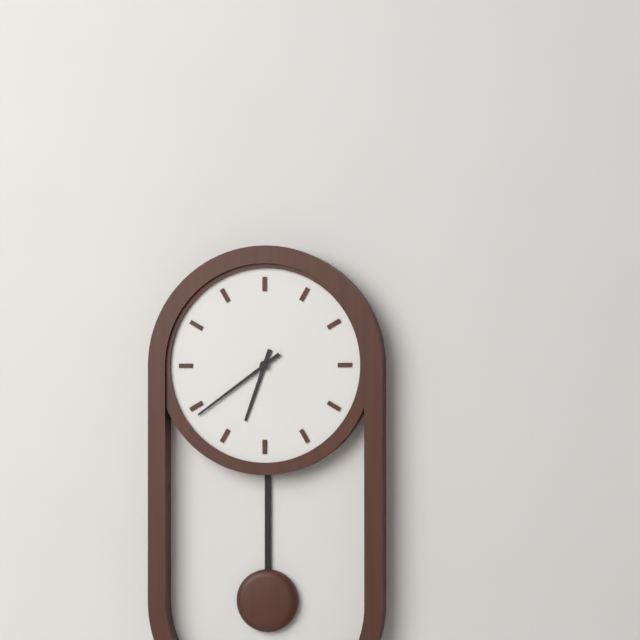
6:39
